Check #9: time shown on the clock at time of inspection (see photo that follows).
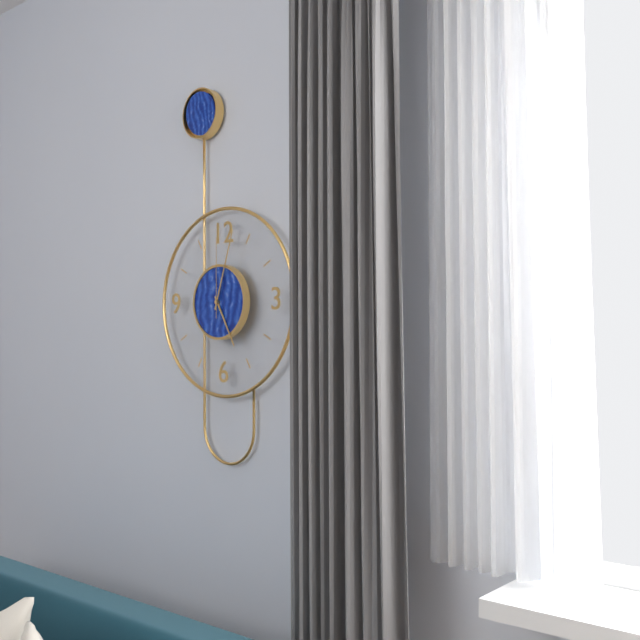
5:03:00
